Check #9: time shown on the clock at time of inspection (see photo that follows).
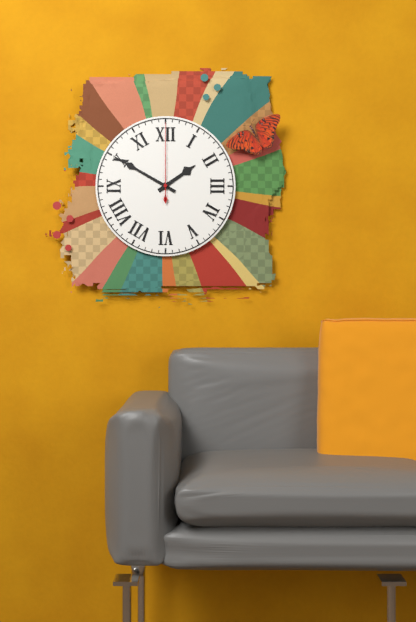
1:50:00
